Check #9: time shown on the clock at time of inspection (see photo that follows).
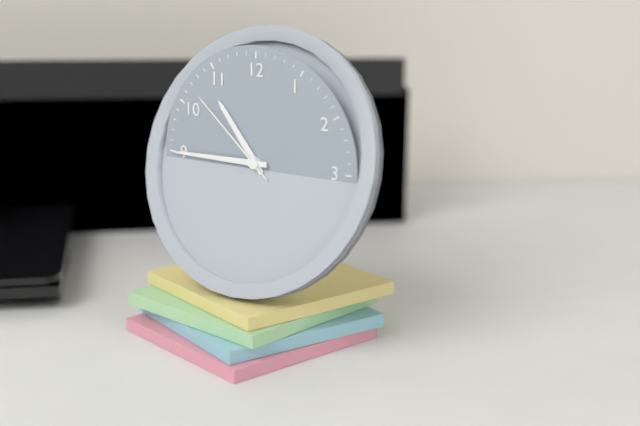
10:45:52
